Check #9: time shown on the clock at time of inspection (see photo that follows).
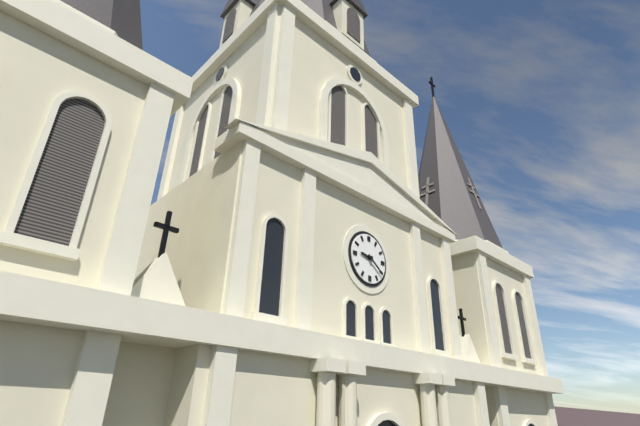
9:21
